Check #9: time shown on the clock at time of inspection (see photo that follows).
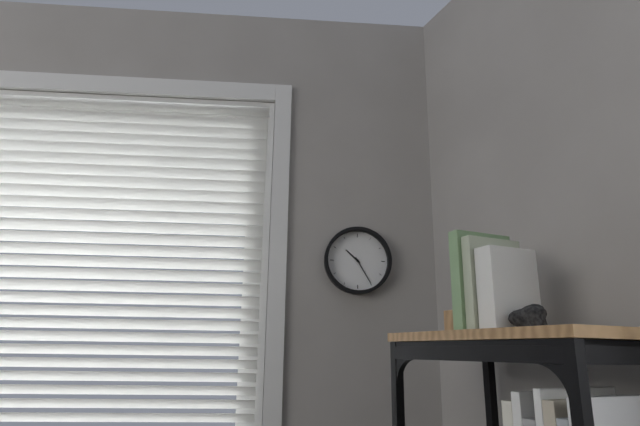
10:25
